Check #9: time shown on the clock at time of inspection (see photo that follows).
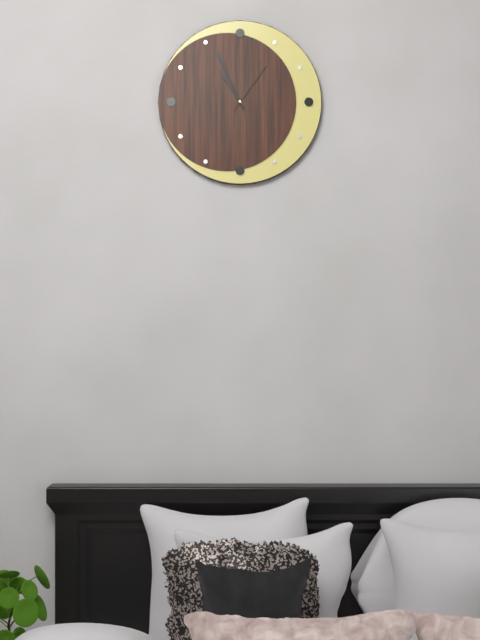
10:56:06
